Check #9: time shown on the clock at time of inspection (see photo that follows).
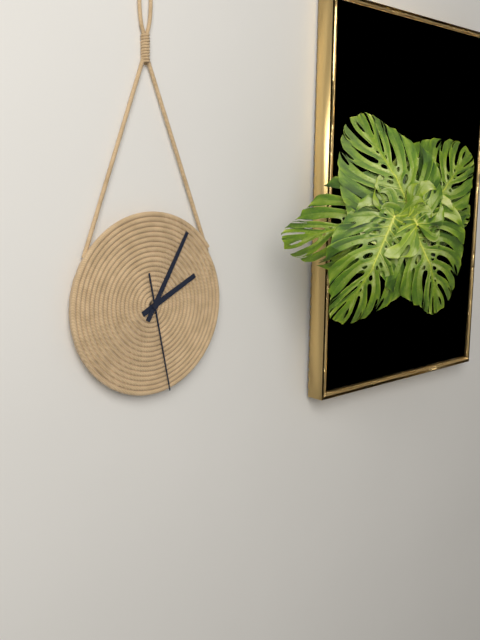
2:05:28
